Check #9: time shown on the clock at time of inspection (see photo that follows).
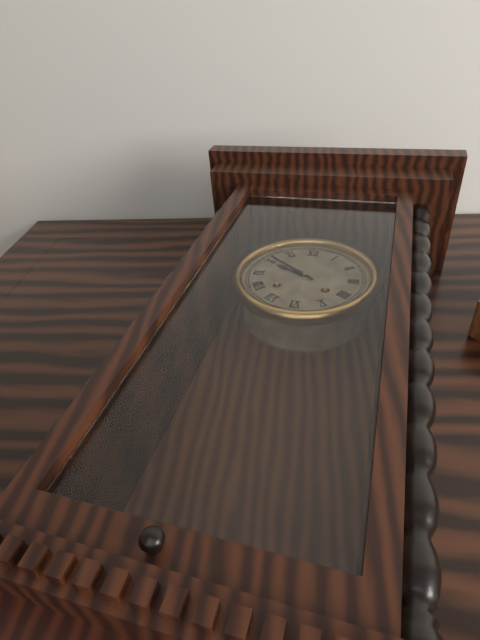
9:51
